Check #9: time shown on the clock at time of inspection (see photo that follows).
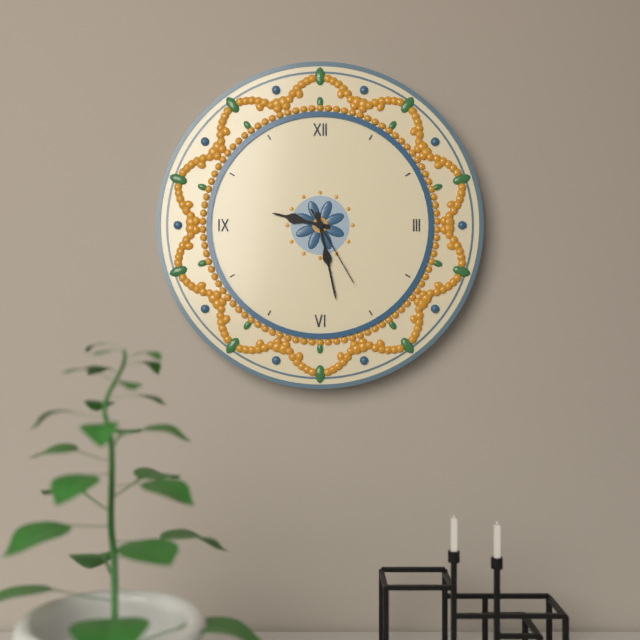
9:28:25
